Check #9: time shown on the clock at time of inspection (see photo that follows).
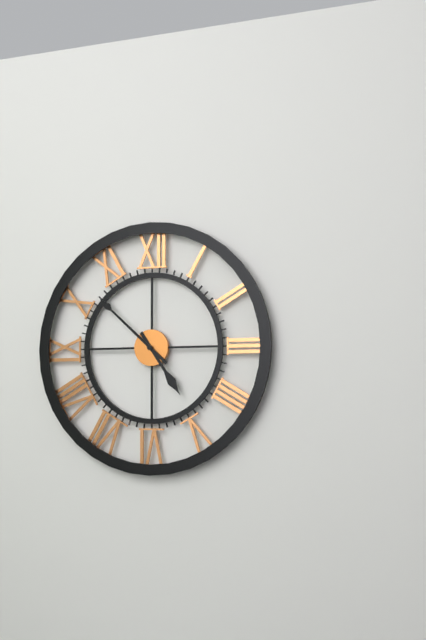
4:52
